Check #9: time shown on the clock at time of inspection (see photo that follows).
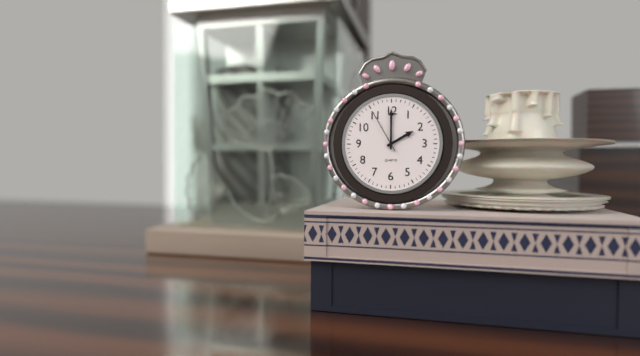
2:00
